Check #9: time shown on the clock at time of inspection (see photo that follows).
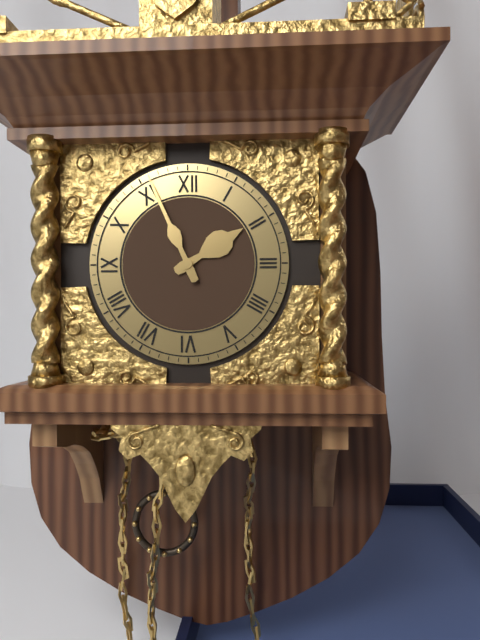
1:56
